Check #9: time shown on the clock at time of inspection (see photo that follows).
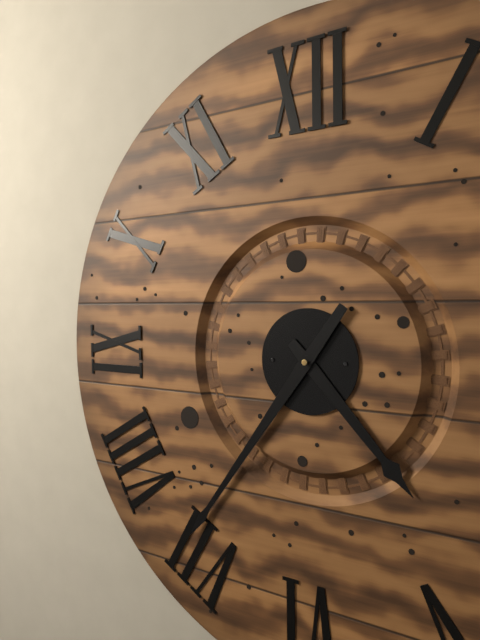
4:36
